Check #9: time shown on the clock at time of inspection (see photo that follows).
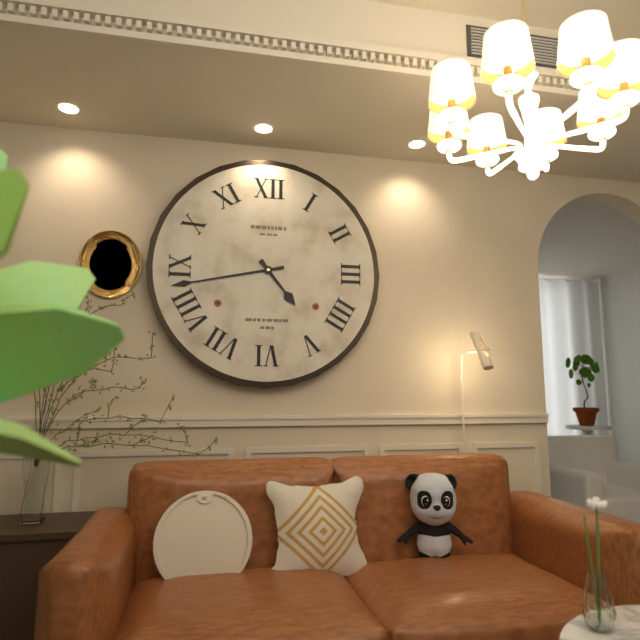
4:43
